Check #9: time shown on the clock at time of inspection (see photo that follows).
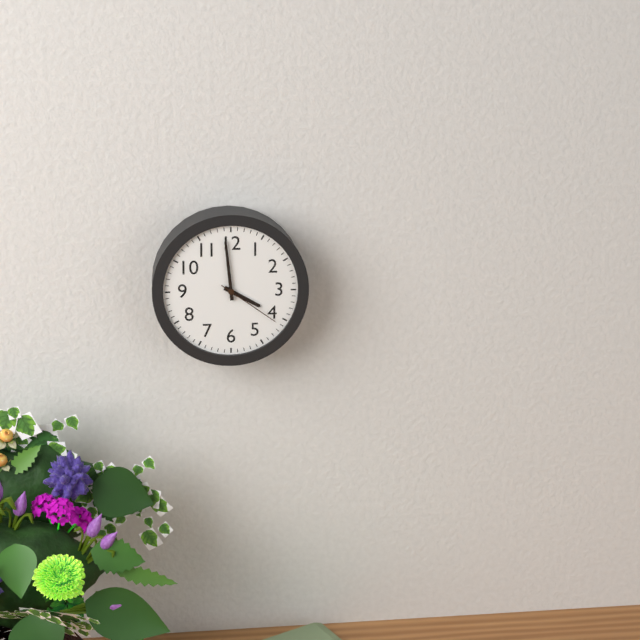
3:59:21
